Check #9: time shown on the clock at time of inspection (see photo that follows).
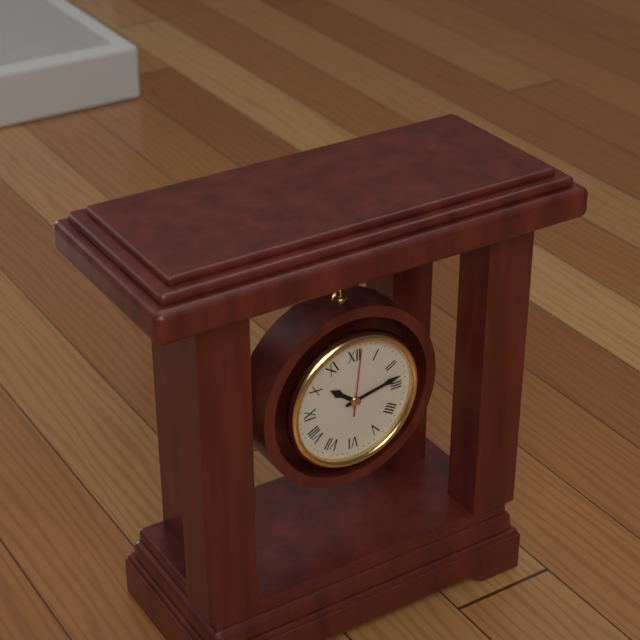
10:13:01
